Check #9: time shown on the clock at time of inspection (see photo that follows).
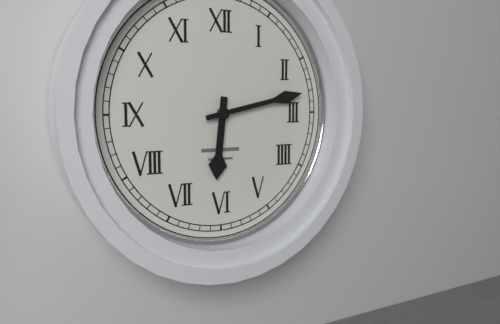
6:13
